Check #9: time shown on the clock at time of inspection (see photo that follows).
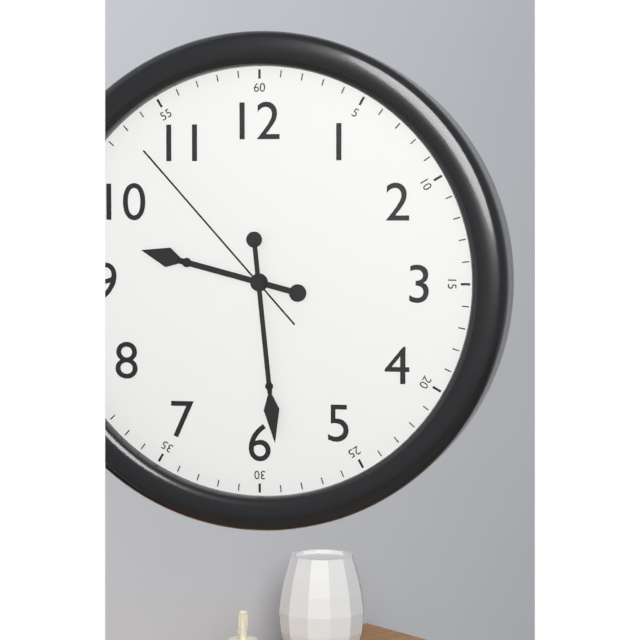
9:29:53
